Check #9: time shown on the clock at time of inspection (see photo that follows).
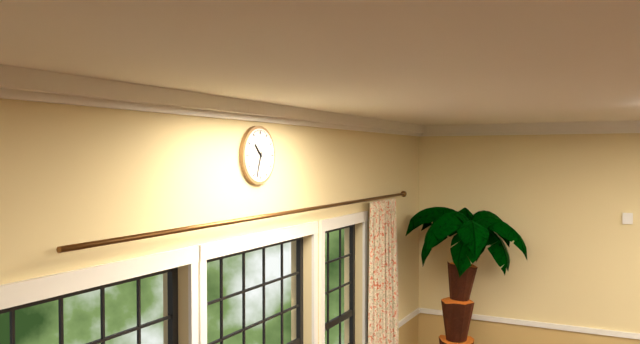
10:33
